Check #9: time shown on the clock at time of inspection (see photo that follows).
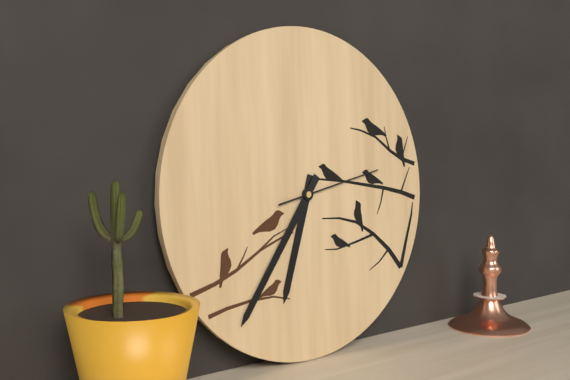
6:36:13
